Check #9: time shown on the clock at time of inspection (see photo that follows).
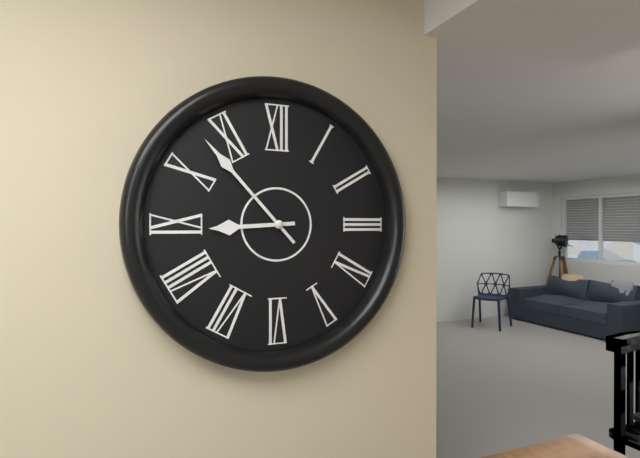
8:53
